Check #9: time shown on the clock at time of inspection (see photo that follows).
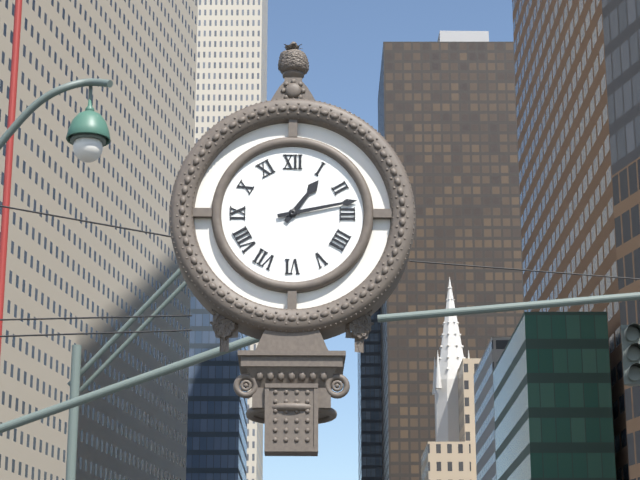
1:13
